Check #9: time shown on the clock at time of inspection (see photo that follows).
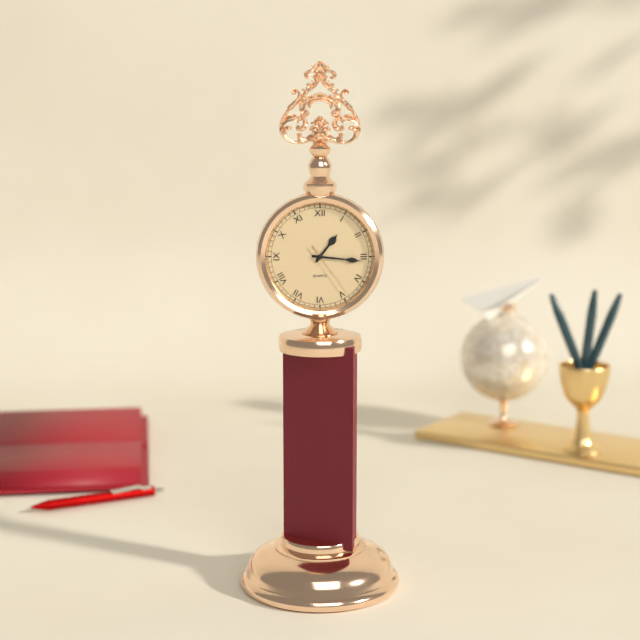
1:16:24
